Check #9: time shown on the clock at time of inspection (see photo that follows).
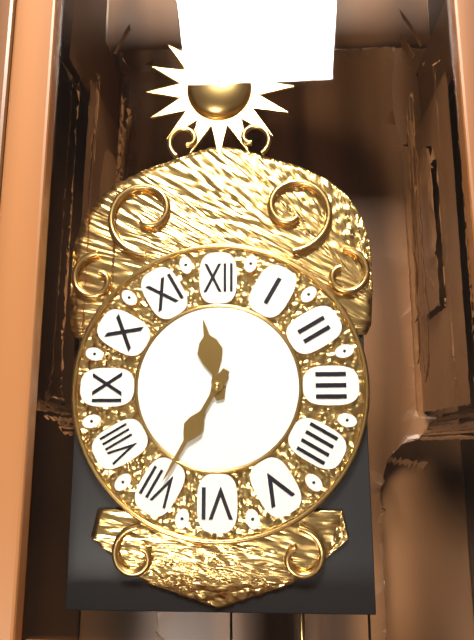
11:35
